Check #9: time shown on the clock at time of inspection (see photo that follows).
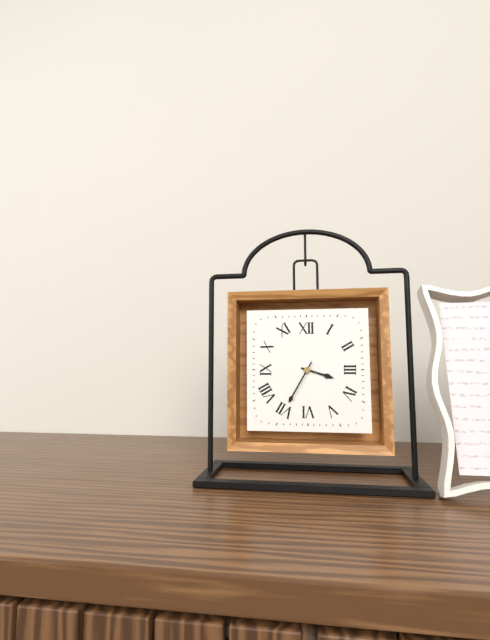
3:35
